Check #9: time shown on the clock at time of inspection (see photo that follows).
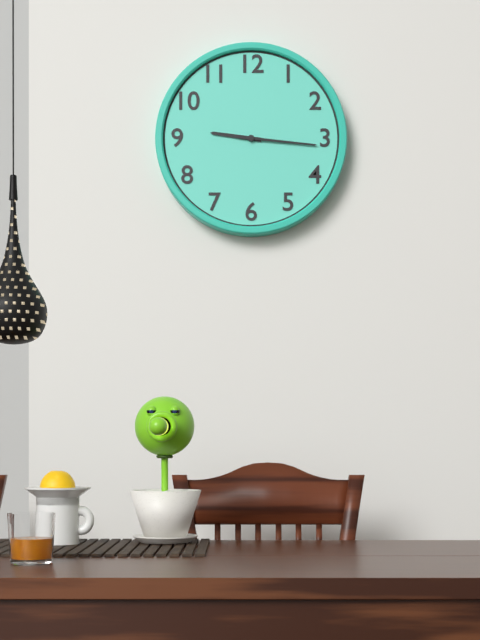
9:16
